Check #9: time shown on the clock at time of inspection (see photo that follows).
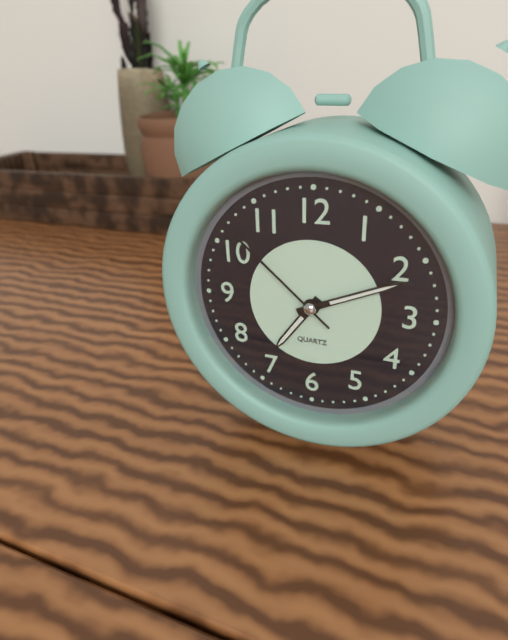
7:11:52
